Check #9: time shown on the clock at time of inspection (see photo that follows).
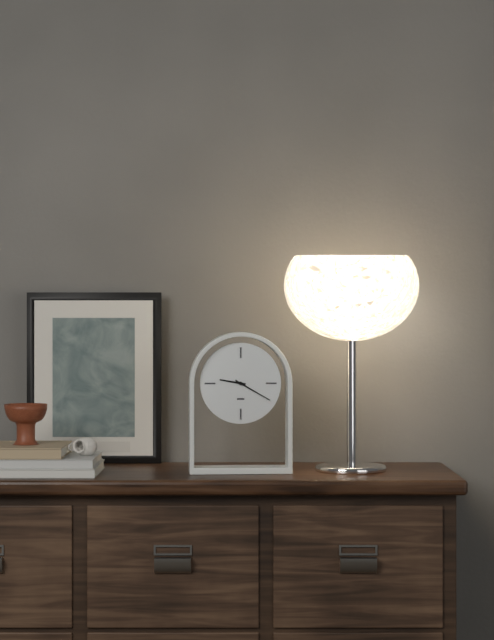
9:20
